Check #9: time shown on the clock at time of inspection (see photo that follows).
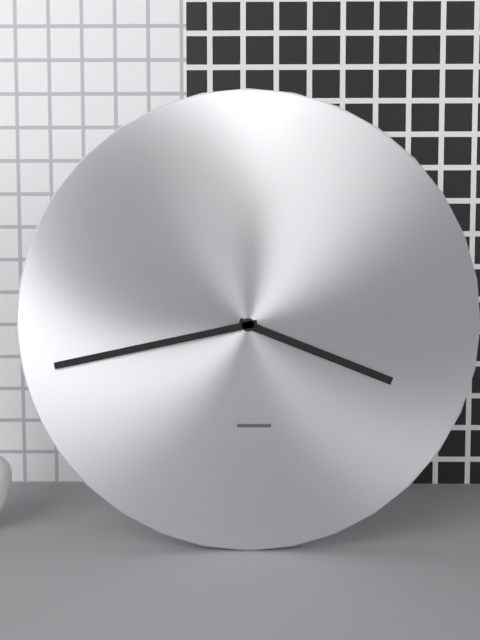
3:43
